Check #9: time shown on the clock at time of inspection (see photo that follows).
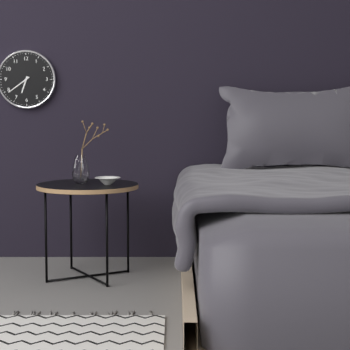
6:39
